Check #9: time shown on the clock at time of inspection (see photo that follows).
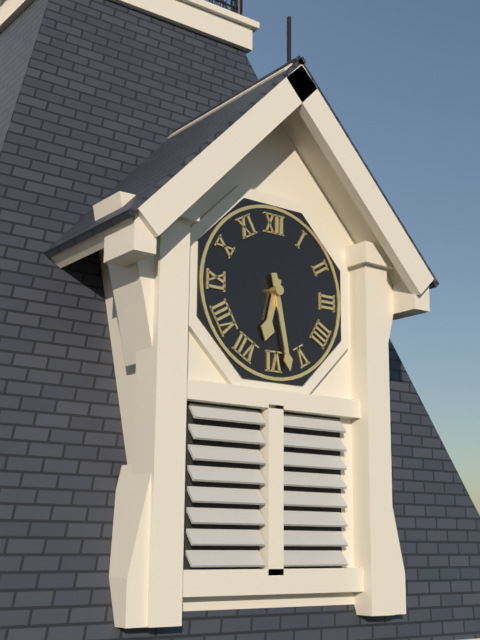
6:28
